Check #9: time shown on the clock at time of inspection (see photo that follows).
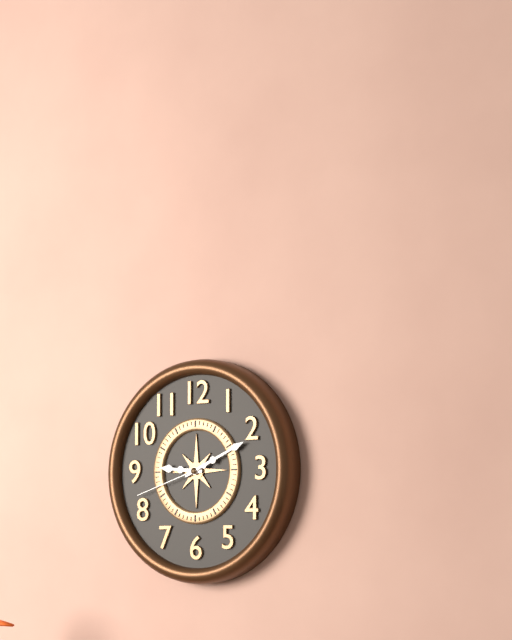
9:11:42
